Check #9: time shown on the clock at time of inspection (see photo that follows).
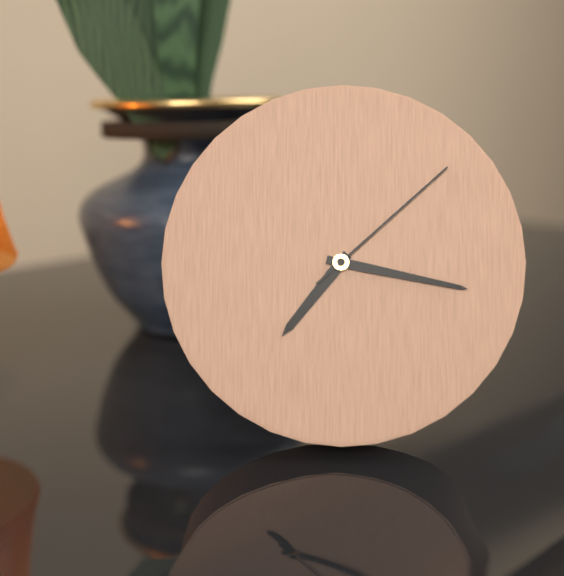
7:17:08
